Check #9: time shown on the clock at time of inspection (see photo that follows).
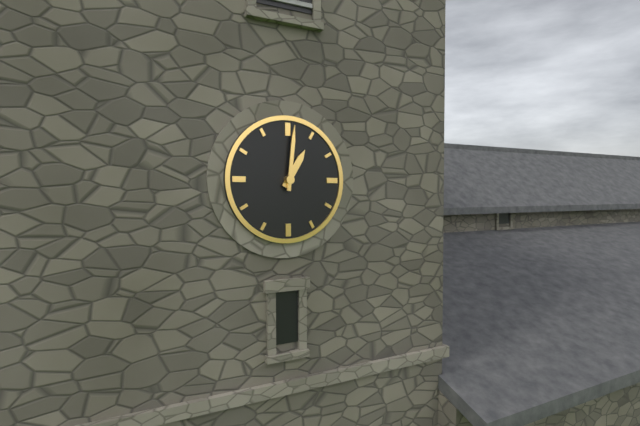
1:01
